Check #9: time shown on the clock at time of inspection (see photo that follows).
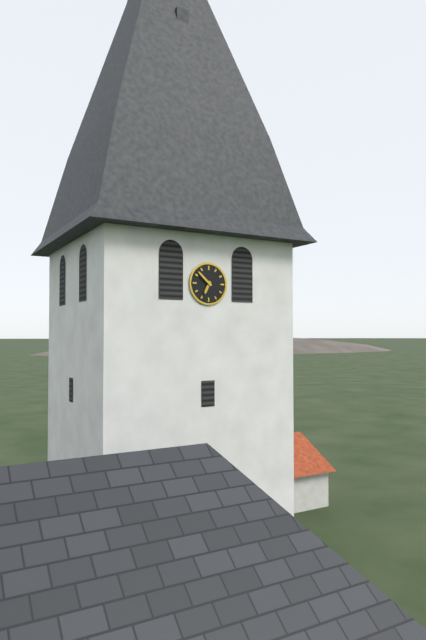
6:52
